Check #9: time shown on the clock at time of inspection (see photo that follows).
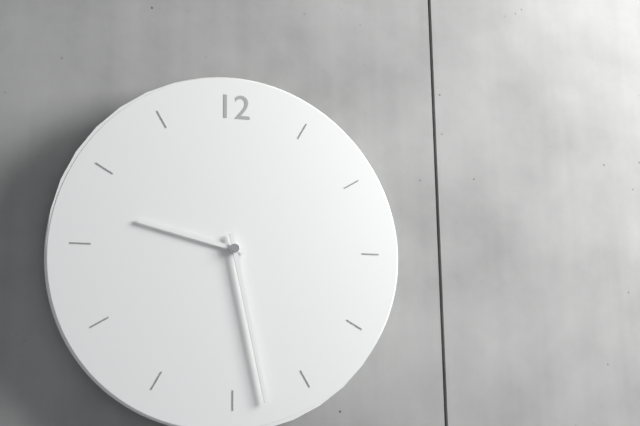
9:28
